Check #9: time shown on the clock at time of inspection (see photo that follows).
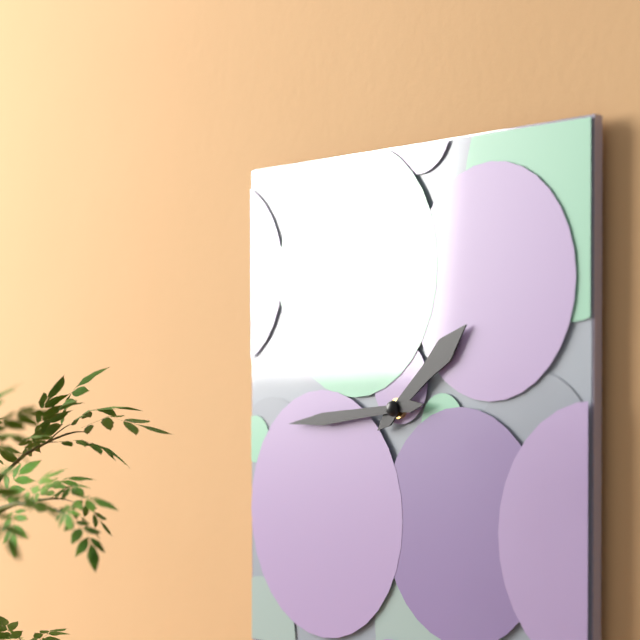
1:44
